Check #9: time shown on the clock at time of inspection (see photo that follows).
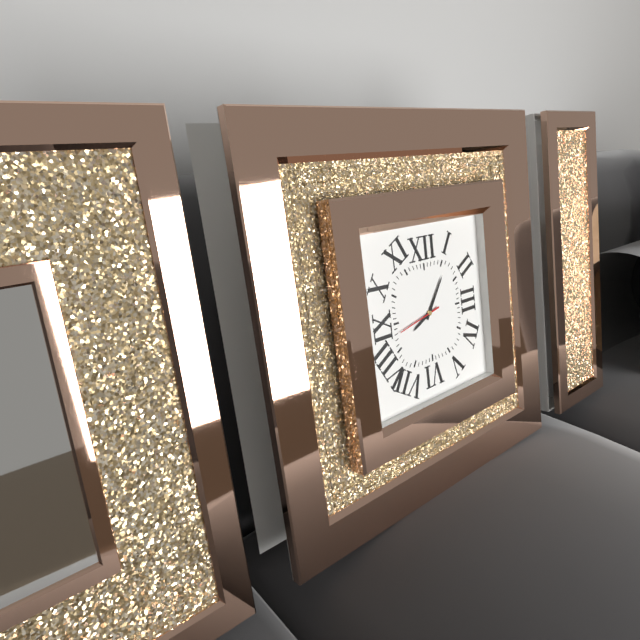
8:06
